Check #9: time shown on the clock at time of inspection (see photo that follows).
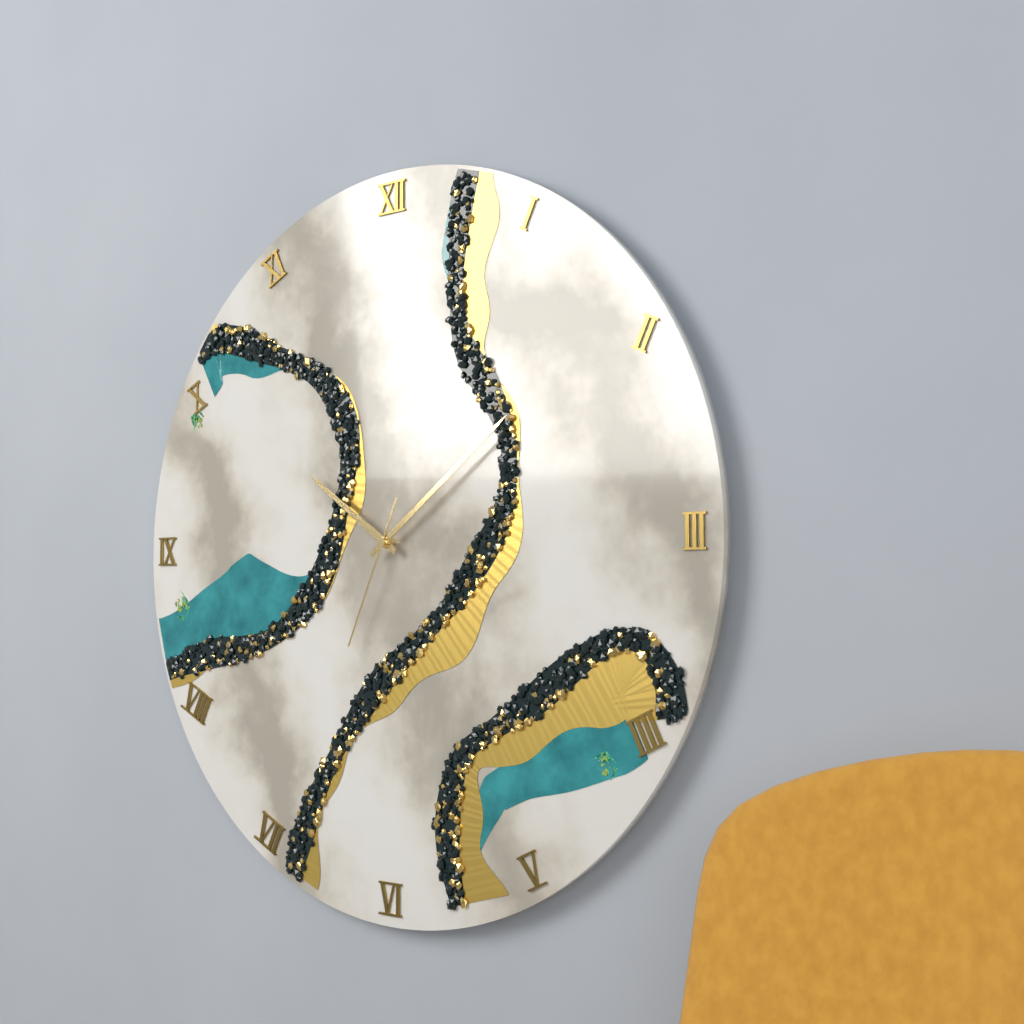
10:09:34
